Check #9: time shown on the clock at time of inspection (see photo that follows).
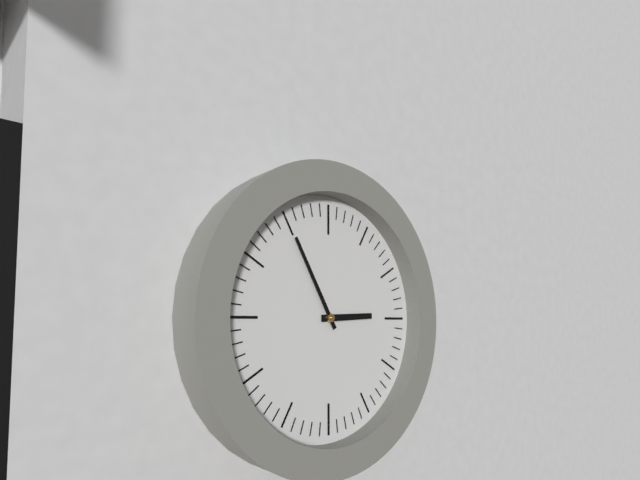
2:55
